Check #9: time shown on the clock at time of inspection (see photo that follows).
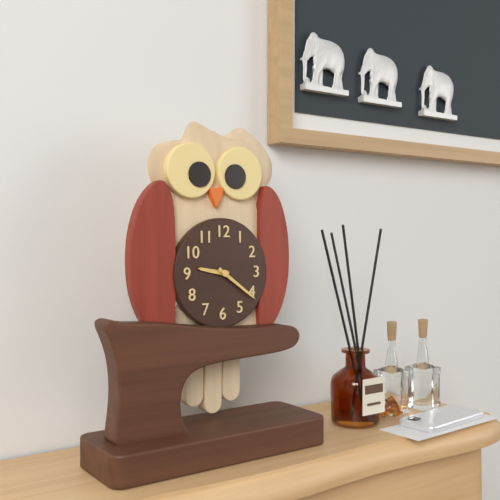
9:21
